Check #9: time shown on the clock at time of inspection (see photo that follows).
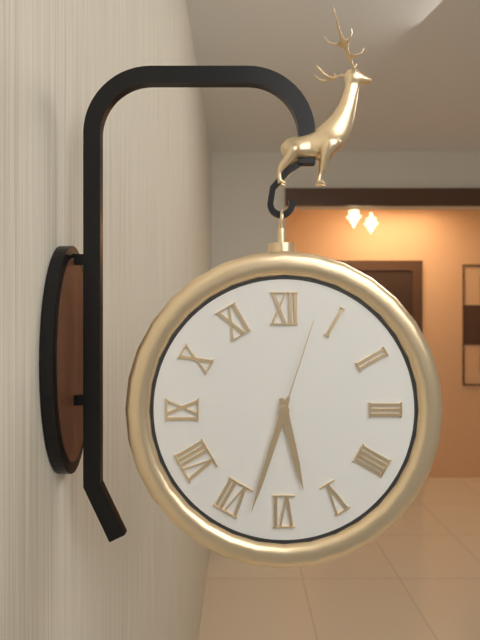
5:33:03
